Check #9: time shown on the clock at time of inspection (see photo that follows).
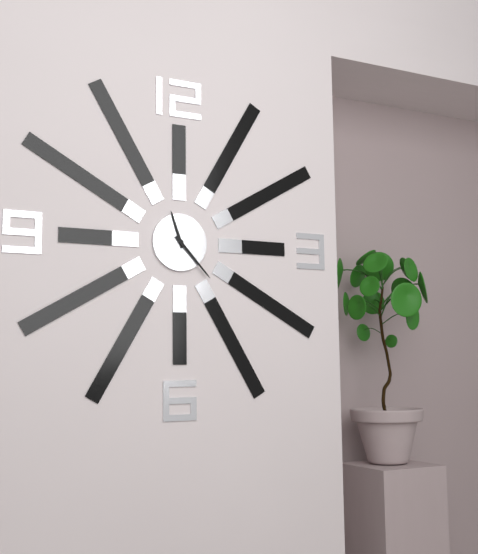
11:23
